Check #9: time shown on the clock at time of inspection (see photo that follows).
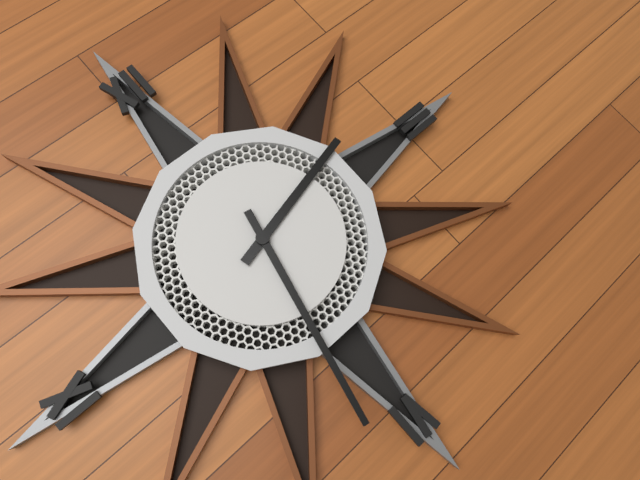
2:32
